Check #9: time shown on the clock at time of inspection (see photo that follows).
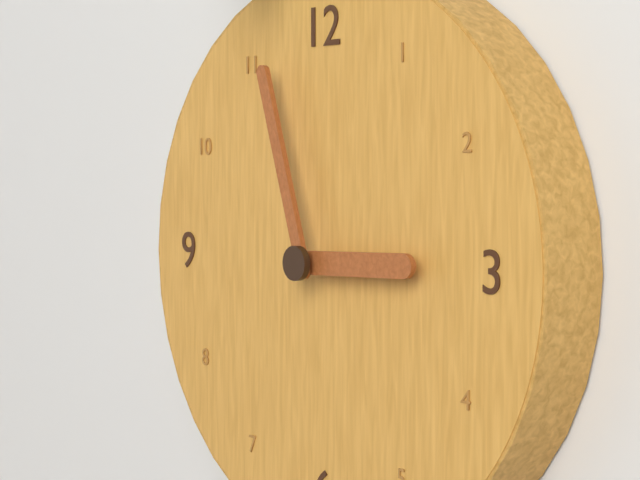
2:57
